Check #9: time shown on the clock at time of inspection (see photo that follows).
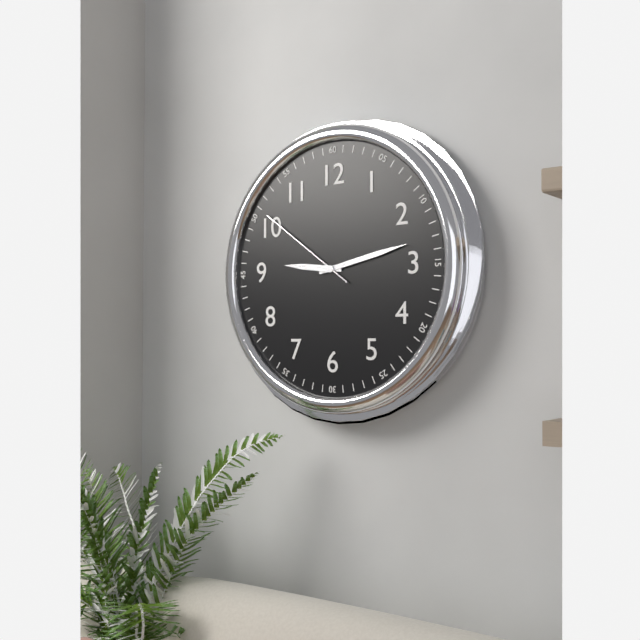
9:13:51
